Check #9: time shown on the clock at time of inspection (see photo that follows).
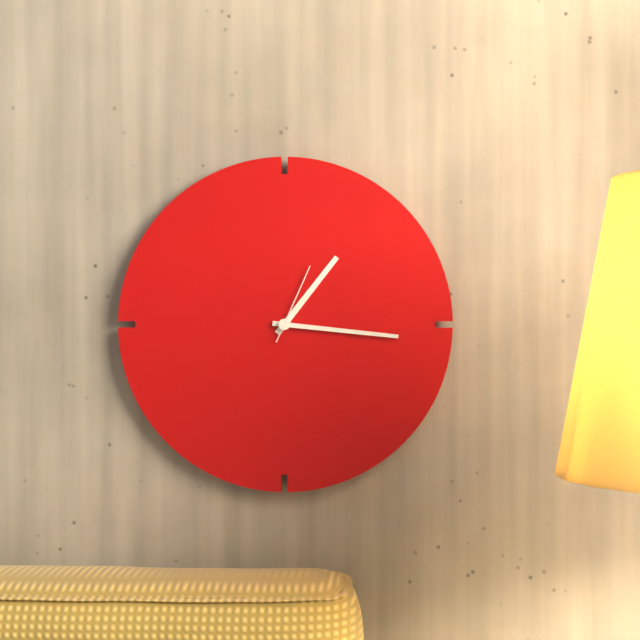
1:16:04
